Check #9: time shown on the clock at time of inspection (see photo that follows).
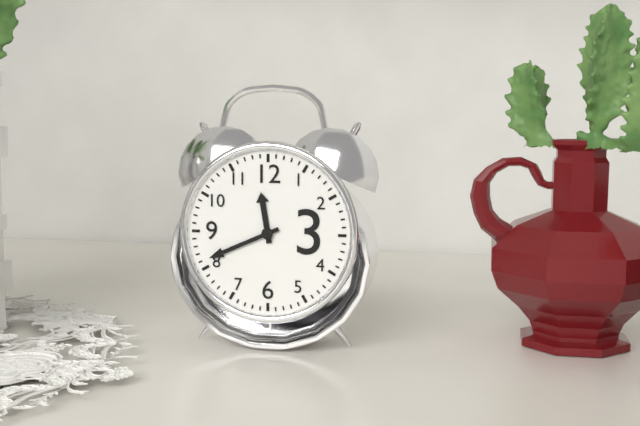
11:41
